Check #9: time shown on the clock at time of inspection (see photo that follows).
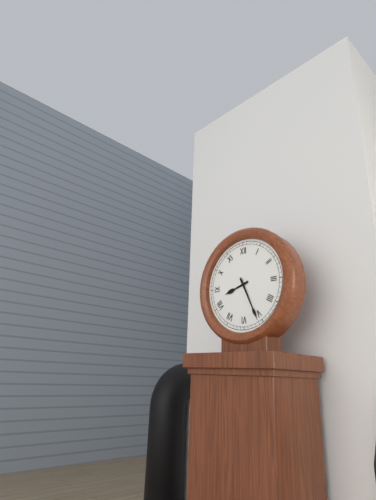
8:26
